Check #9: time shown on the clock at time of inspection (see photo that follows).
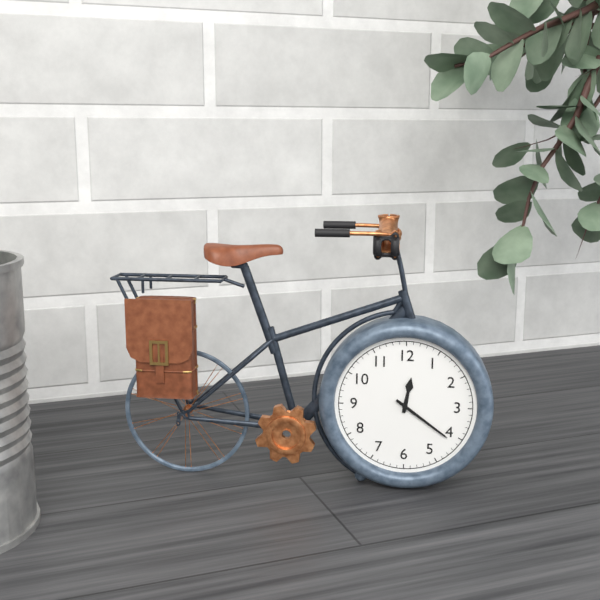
12:21
